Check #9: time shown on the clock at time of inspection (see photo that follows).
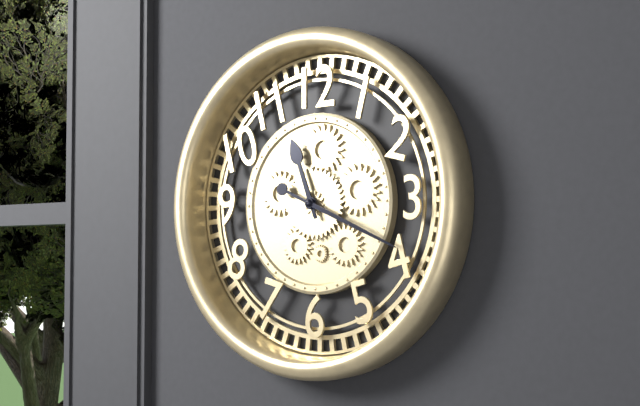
11:19
